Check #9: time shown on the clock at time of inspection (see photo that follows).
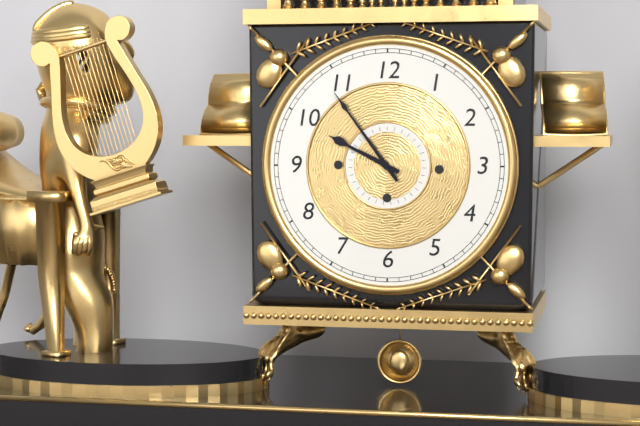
9:54
